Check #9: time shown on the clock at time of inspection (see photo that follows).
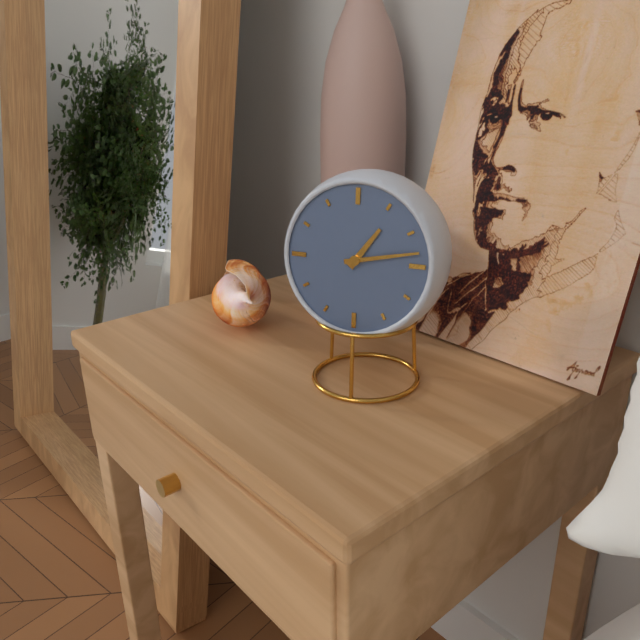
1:13
